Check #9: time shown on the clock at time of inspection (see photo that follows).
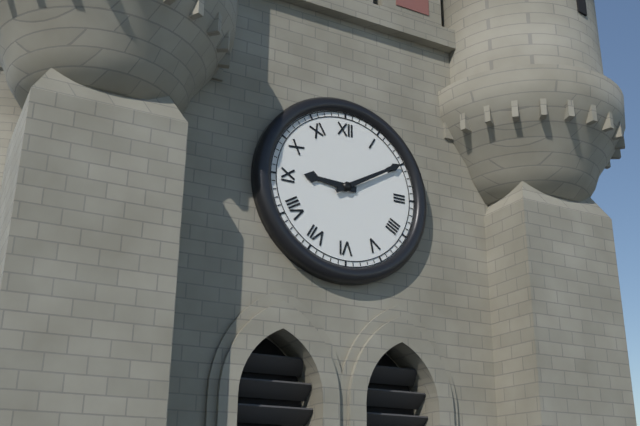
9:10
